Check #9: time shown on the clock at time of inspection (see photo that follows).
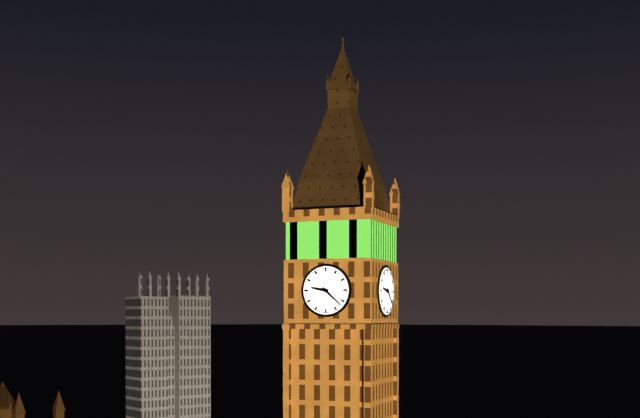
9:22
